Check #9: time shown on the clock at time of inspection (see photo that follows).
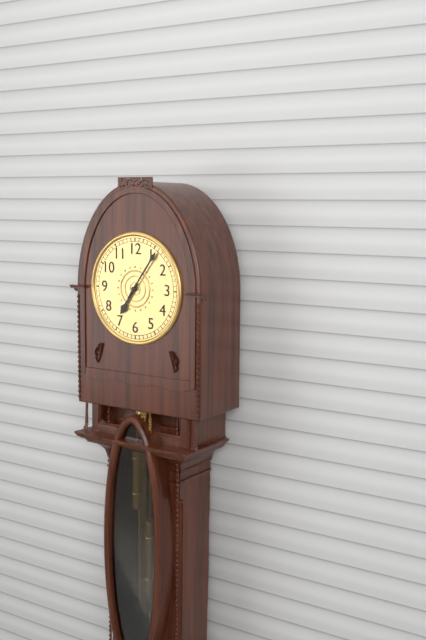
7:06
